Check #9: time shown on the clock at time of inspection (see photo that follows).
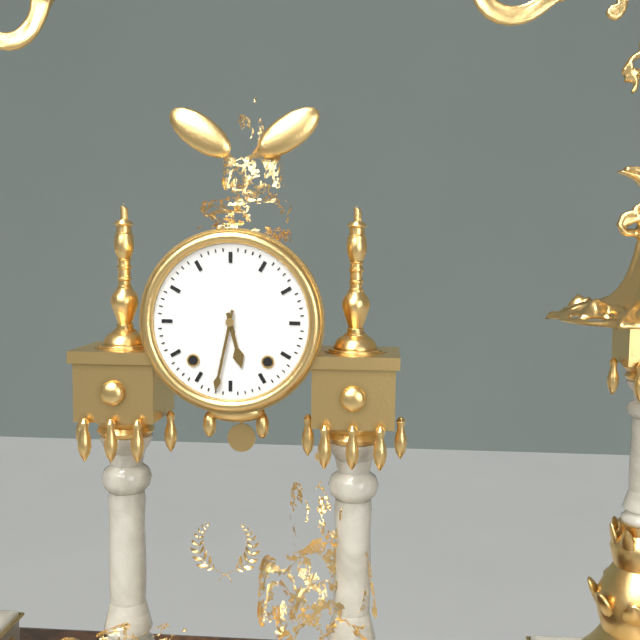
5:32
